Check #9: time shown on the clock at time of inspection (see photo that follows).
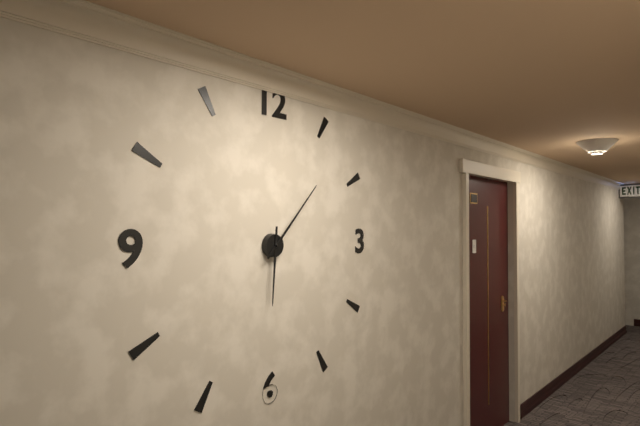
6:07
